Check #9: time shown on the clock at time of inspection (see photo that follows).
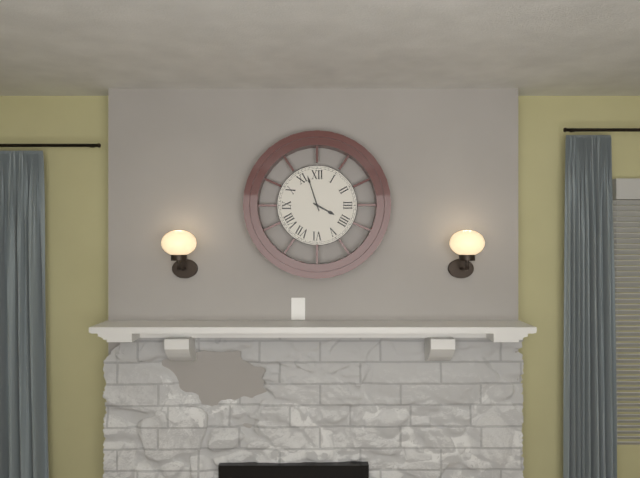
3:57
